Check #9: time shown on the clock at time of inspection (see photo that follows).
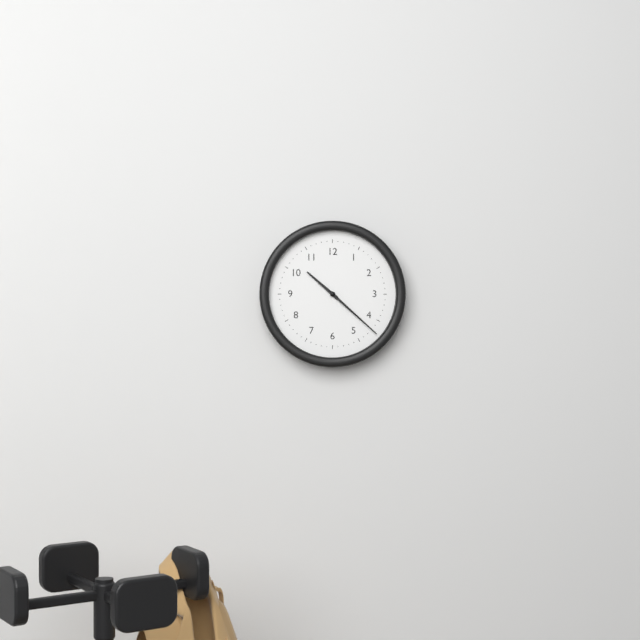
10:22
